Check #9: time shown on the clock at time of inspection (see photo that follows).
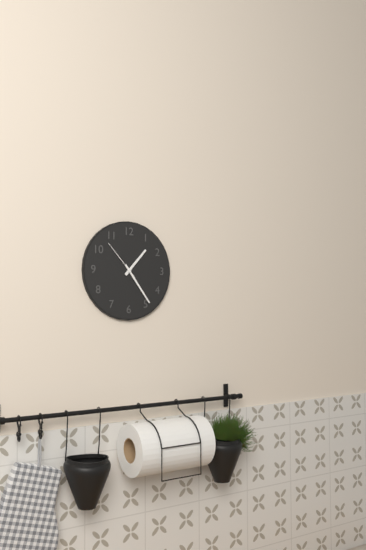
1:24
